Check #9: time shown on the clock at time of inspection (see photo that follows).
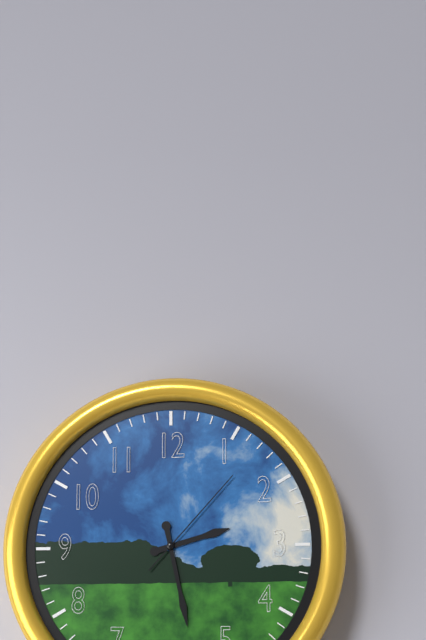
2:28:07
